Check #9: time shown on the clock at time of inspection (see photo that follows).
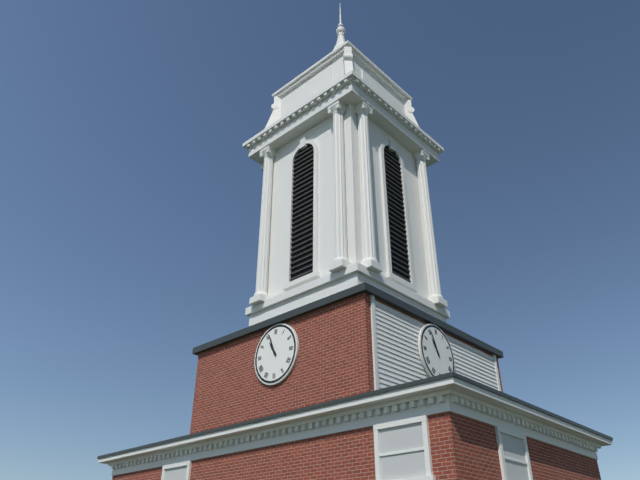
10:56
